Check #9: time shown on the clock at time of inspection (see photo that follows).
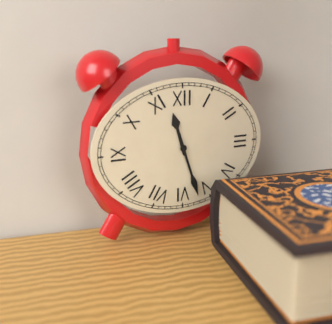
11:27
